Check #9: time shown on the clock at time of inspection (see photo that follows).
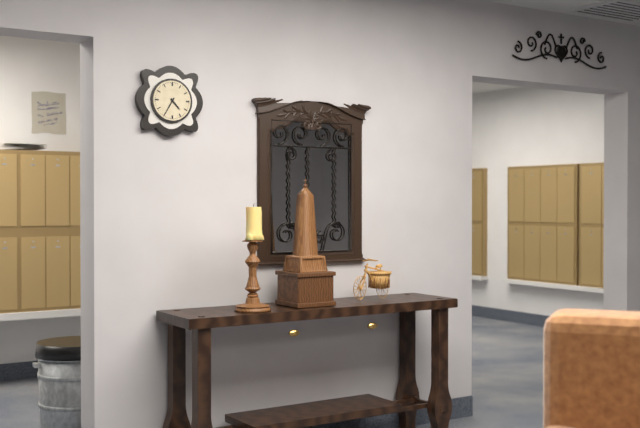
4:35
